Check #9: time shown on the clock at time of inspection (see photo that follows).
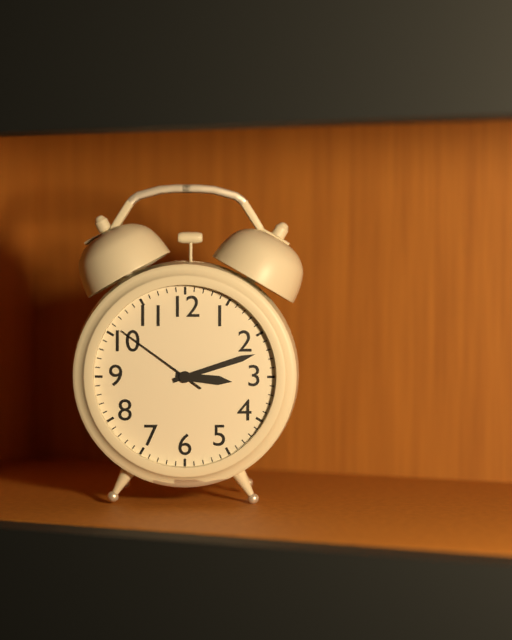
3:12:51
